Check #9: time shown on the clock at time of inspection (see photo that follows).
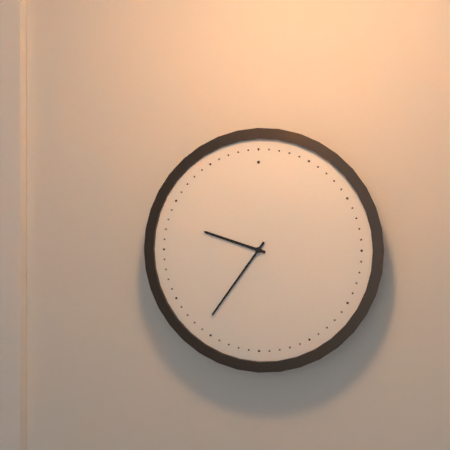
9:36
